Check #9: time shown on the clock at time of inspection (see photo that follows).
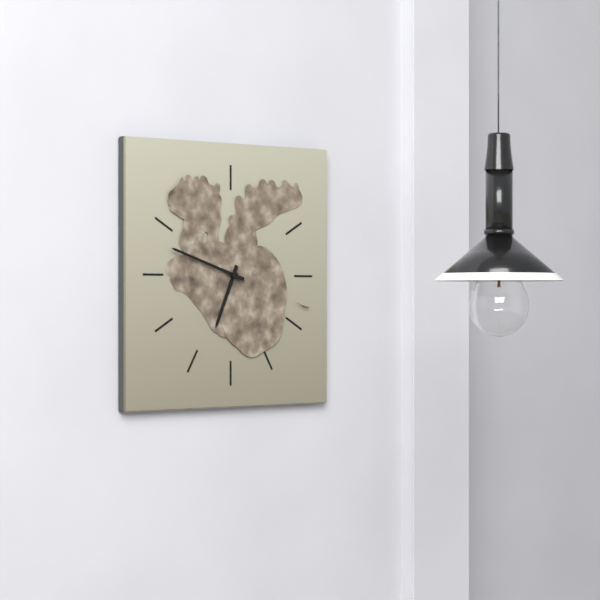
6:48
